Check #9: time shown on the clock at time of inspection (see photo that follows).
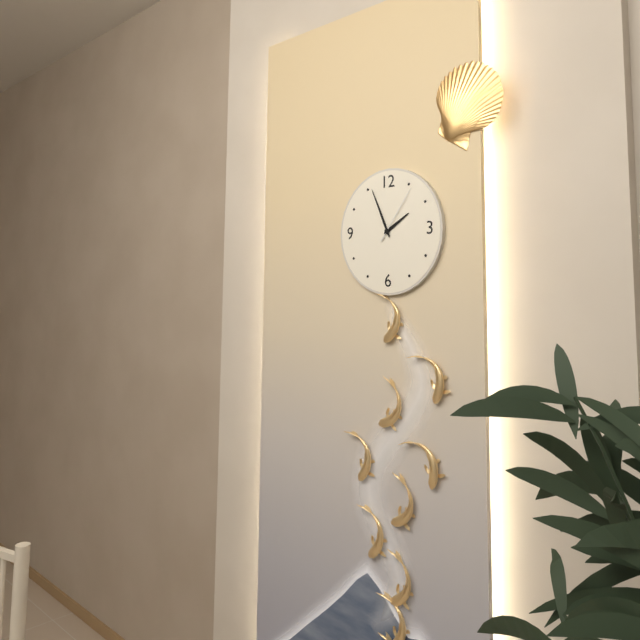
1:56:06
